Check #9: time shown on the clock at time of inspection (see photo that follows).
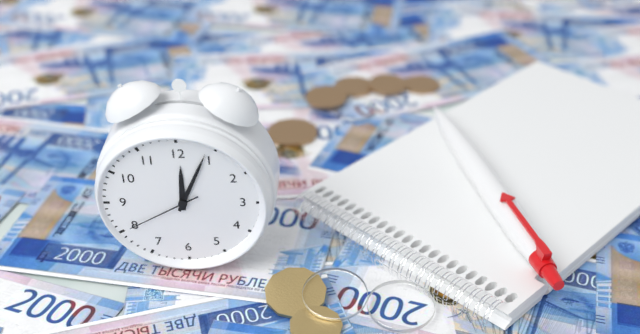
12:04:40
